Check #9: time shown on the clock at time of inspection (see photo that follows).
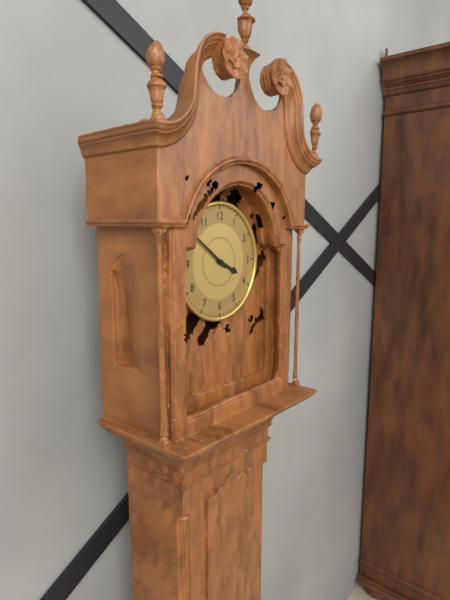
3:51
